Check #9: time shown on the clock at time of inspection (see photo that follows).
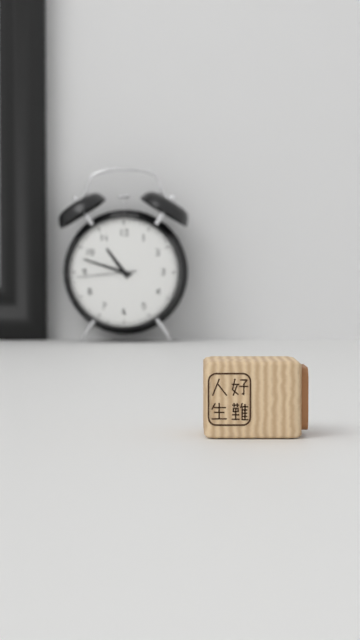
10:48:44
